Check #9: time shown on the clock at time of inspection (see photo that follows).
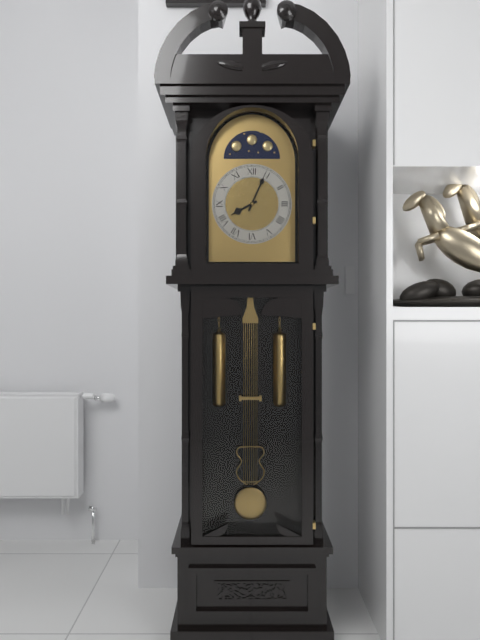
8:04
